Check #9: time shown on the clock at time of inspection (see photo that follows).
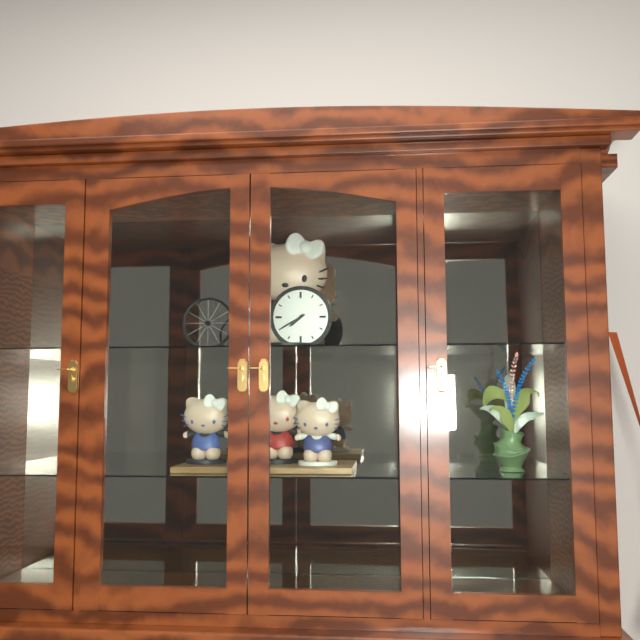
7:40
